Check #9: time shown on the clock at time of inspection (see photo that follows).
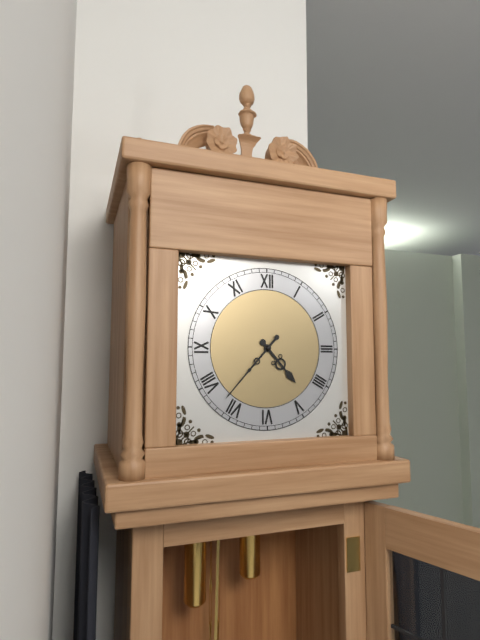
4:37
